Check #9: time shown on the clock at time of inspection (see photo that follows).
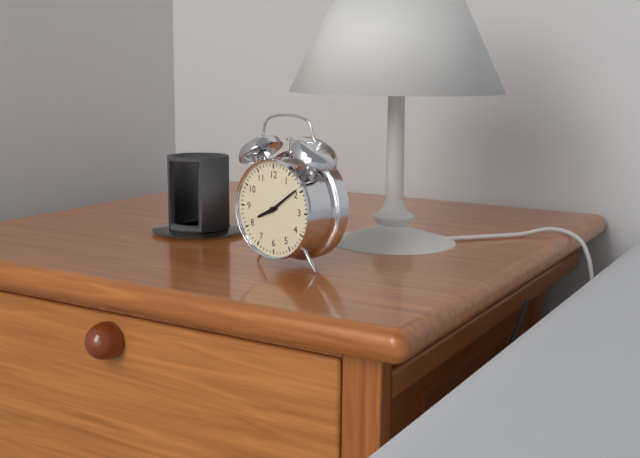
8:09
